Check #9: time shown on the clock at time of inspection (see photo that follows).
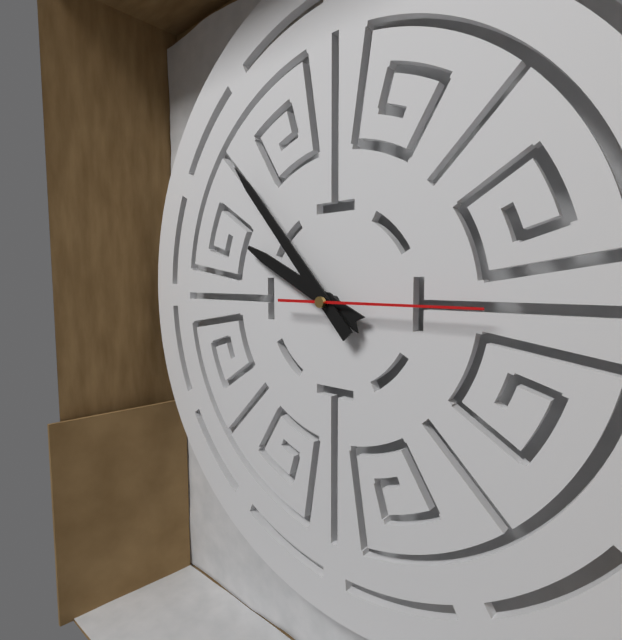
9:53:15
